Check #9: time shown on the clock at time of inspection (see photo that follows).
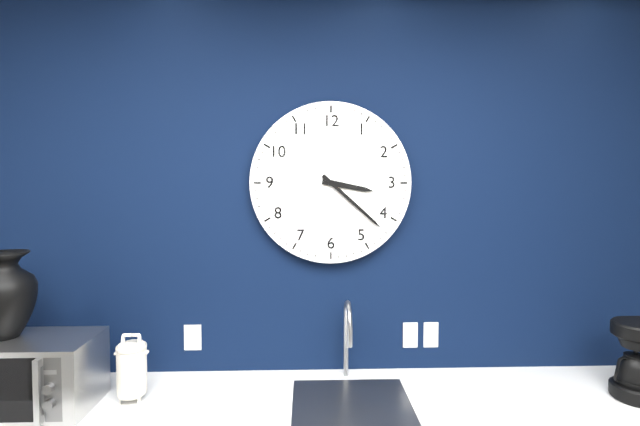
3:22
